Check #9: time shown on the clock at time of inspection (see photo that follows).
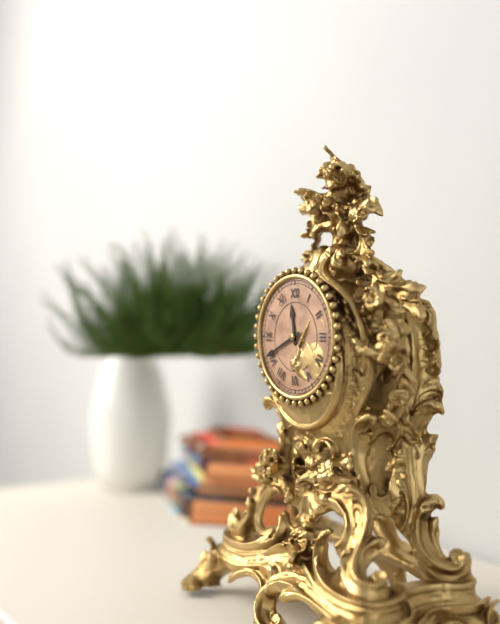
11:41
